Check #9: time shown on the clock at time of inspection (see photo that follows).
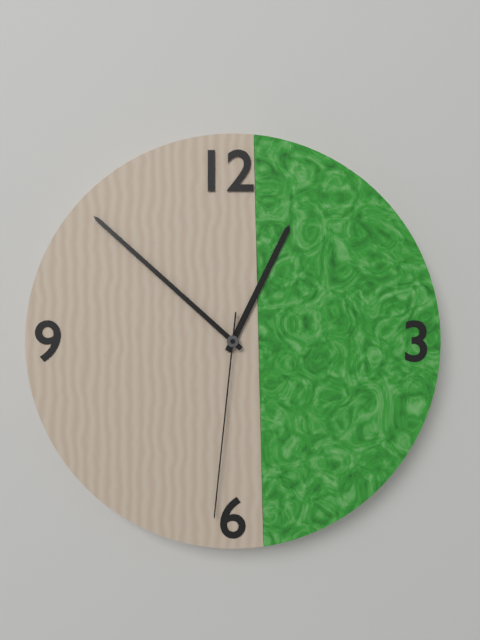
12:52:31
